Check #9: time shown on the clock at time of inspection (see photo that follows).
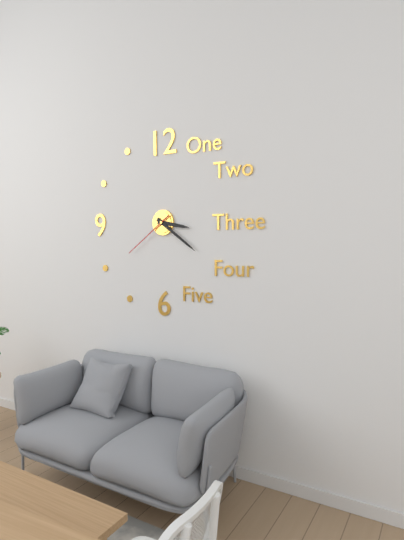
3:21:39
